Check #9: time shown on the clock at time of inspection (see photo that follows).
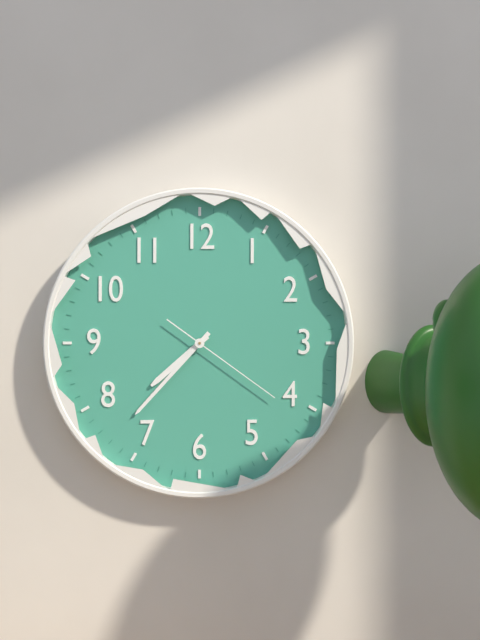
7:37:21
